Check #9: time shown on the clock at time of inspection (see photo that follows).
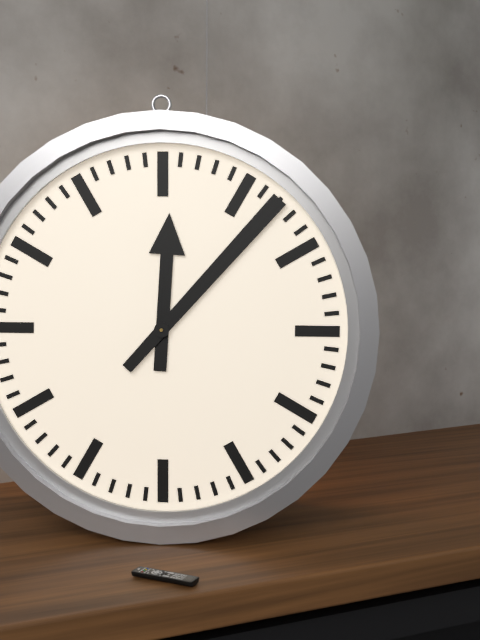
12:07
